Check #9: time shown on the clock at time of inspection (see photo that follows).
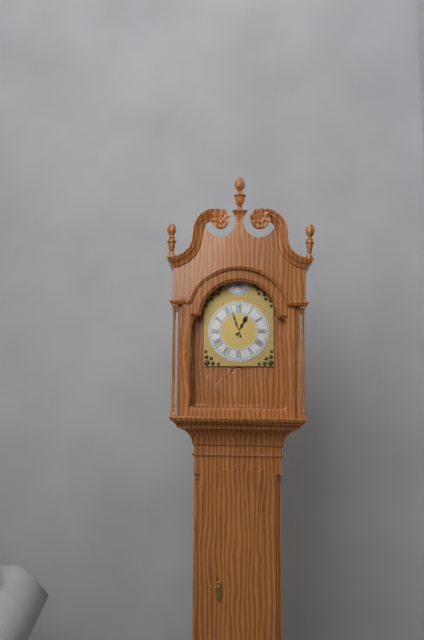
12:57
